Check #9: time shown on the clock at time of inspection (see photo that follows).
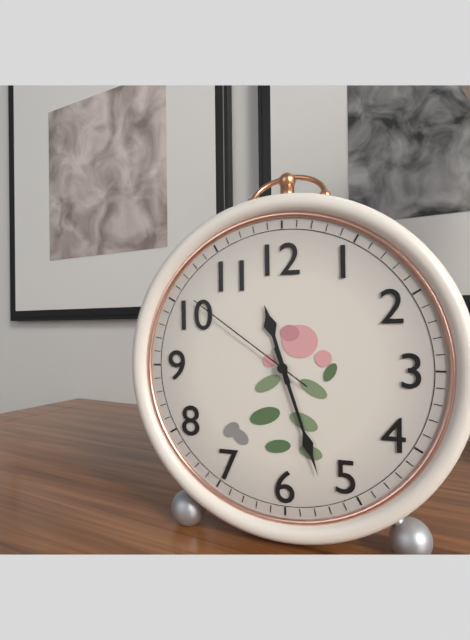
11:27:51
